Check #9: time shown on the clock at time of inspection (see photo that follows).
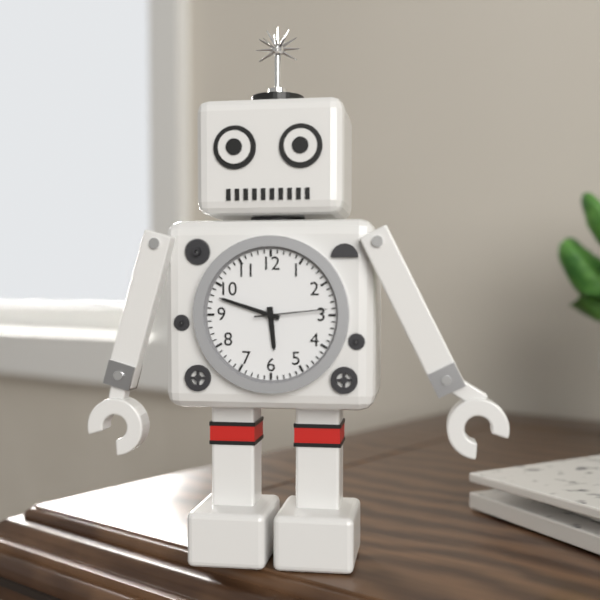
5:48:14
